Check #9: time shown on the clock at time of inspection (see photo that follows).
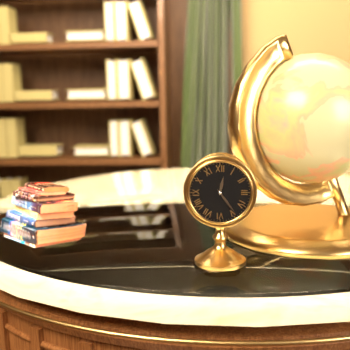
12:24
